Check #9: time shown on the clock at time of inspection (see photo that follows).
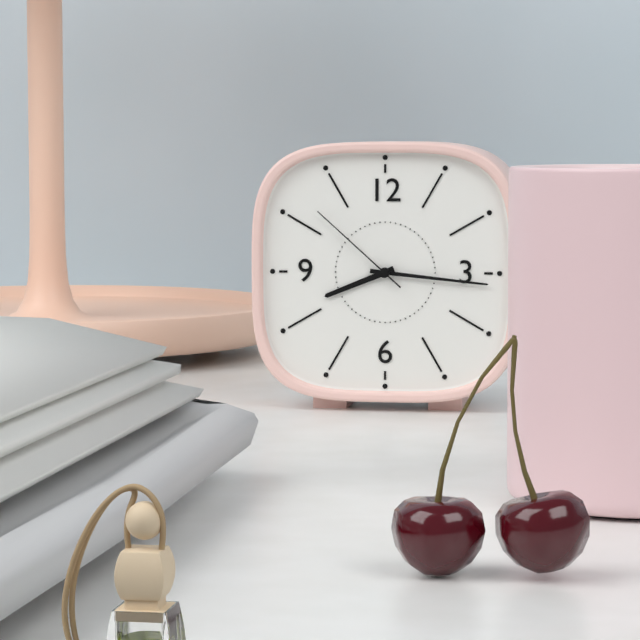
8:16:52
